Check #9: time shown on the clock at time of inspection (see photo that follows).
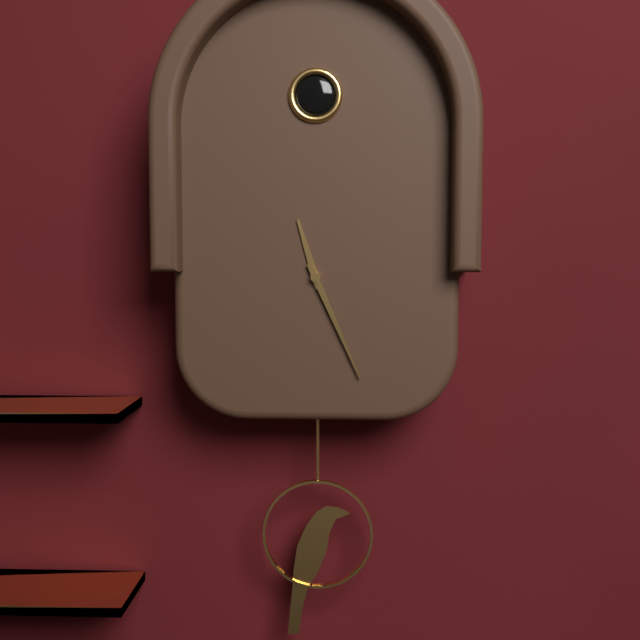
11:26
